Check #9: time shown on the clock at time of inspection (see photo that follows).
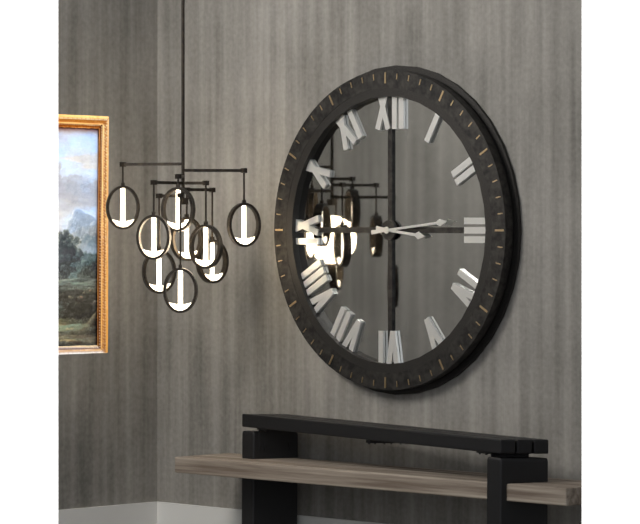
3:14
